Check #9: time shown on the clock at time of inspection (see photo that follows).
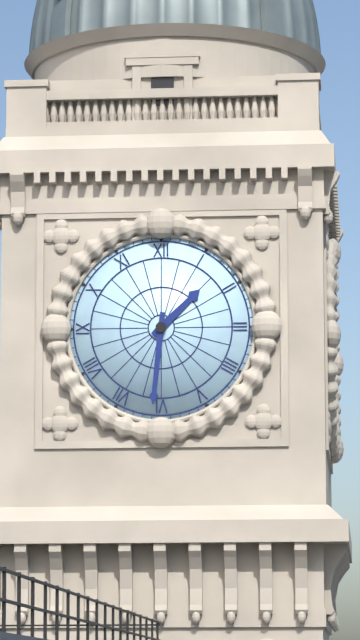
1:31
